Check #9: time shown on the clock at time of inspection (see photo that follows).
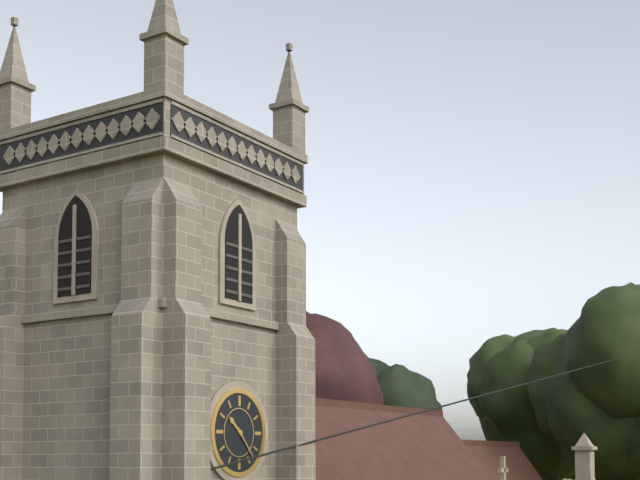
10:23
